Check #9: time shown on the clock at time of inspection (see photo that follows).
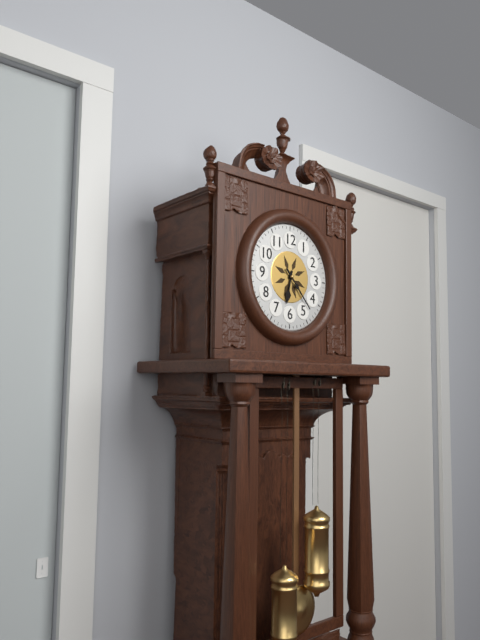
6:23
